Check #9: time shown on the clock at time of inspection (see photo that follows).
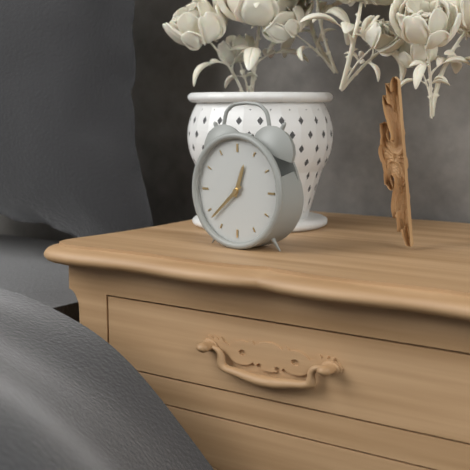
12:38
